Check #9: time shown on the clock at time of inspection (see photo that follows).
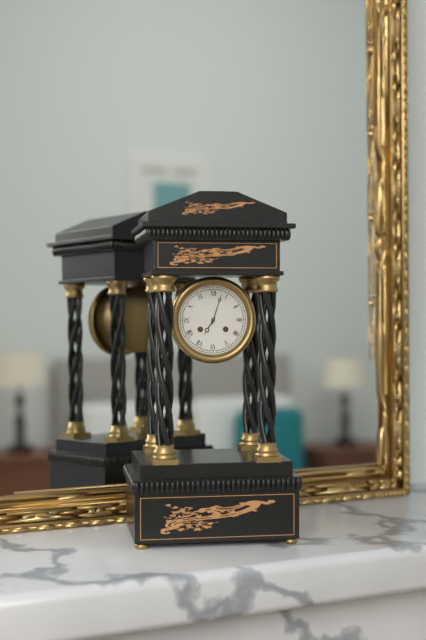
7:03
